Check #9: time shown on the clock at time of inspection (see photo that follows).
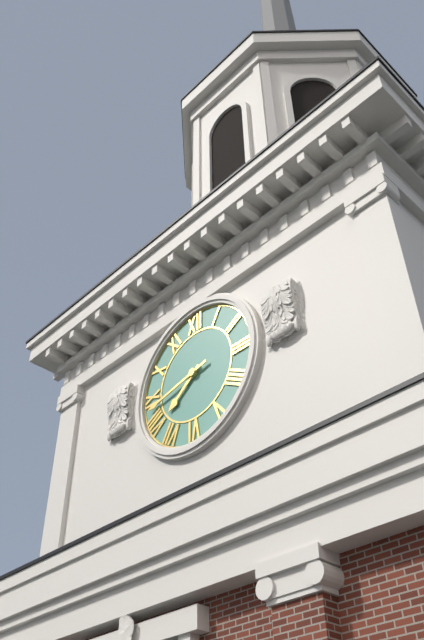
7:43
